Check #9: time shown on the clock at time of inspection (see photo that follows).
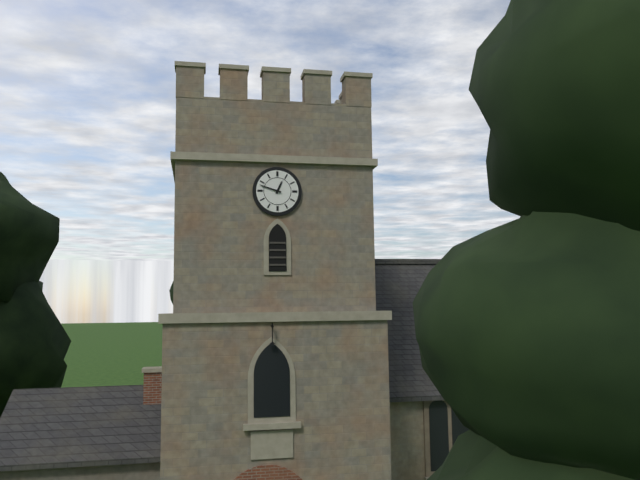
12:48
